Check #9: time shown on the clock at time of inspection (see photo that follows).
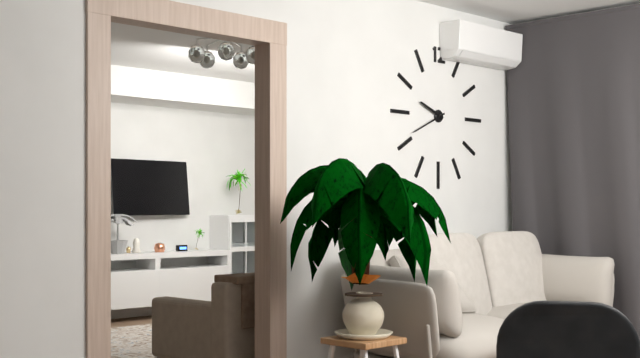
9:41
